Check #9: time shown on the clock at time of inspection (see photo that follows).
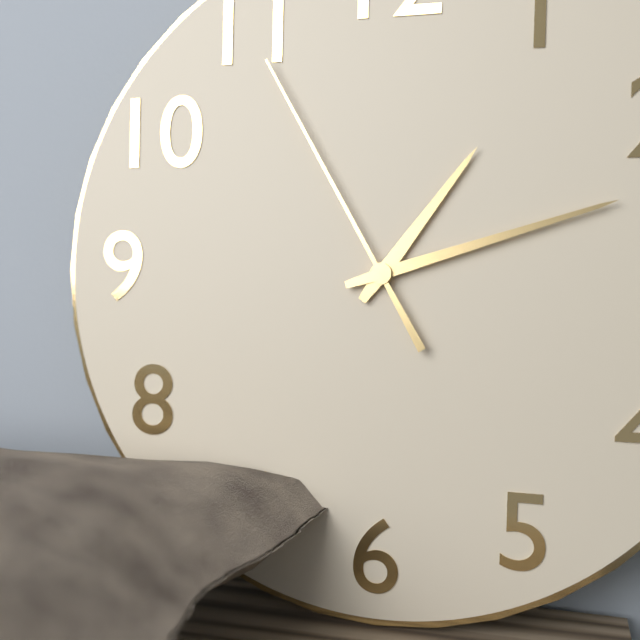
1:12:55
